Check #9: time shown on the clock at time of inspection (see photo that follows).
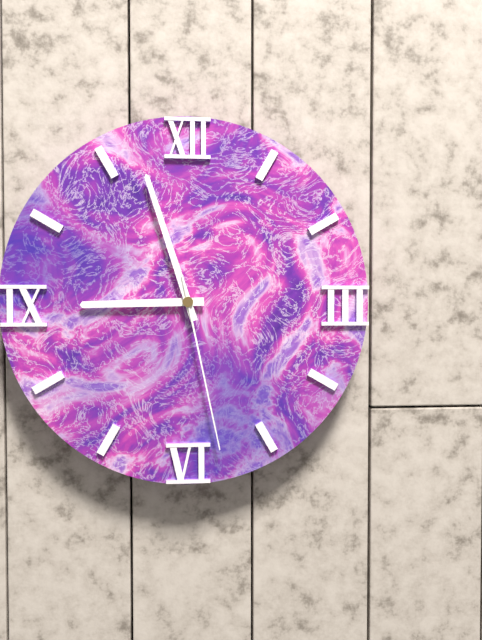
8:57:28
